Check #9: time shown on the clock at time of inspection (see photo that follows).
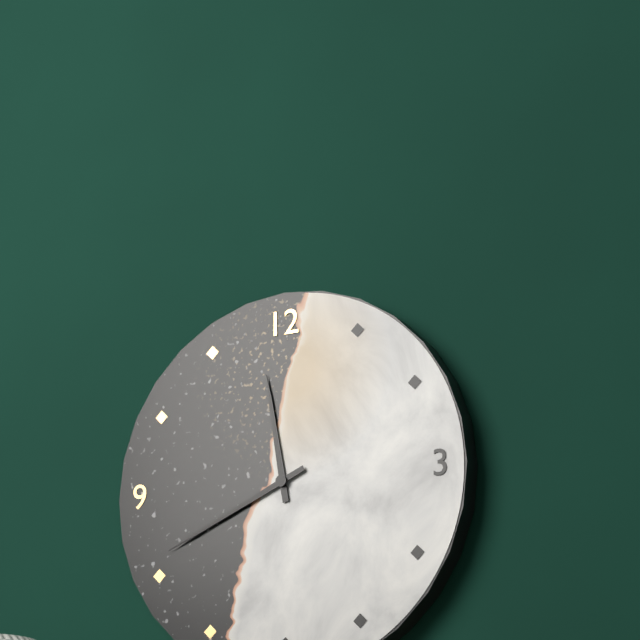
11:41
